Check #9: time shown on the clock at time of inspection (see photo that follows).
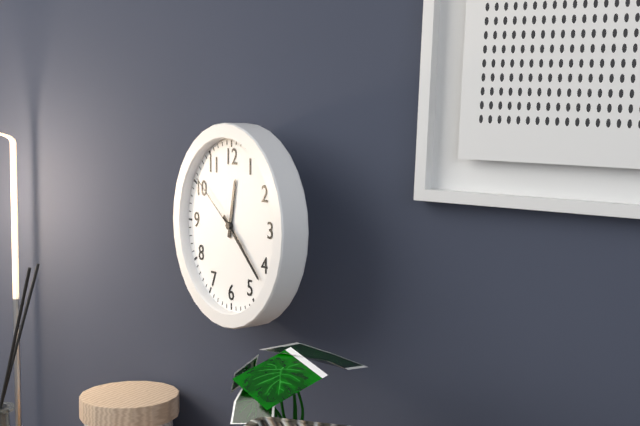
12:22:51
